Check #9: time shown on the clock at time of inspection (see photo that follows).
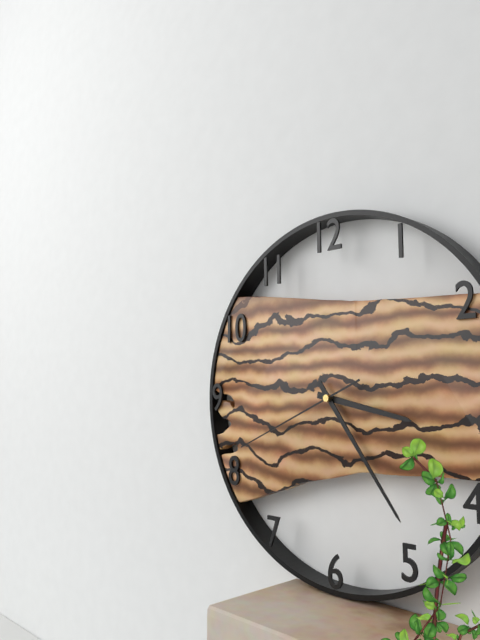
3:24:41
